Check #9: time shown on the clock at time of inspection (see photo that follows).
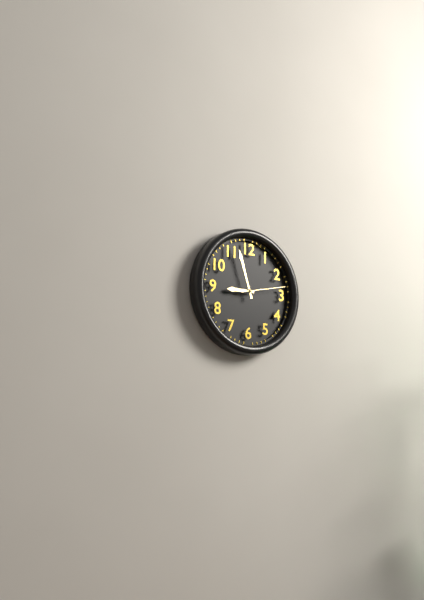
8:57
